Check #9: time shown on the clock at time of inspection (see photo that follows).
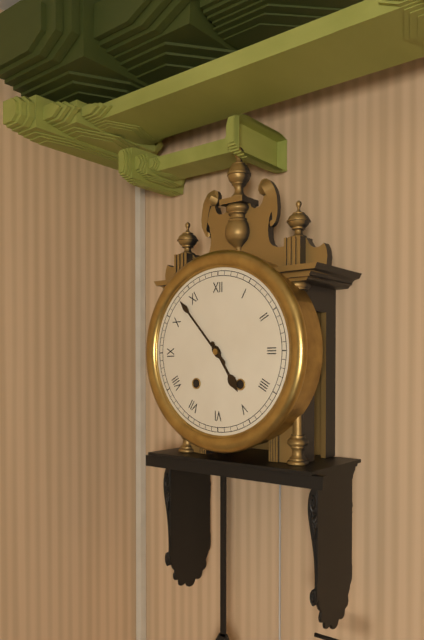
4:53
